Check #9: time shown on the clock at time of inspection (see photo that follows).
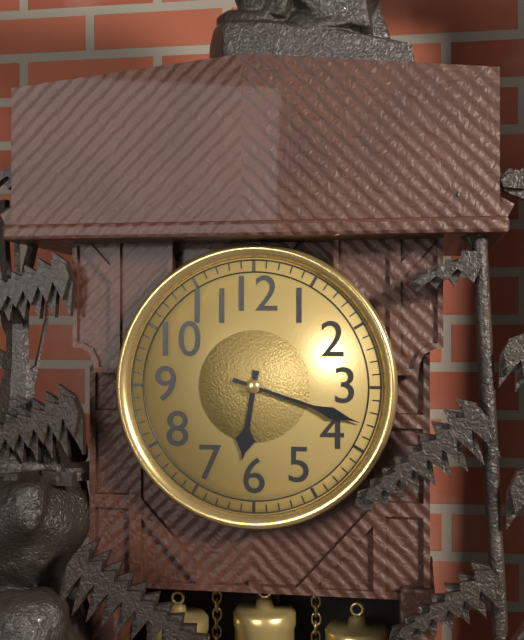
6:18
